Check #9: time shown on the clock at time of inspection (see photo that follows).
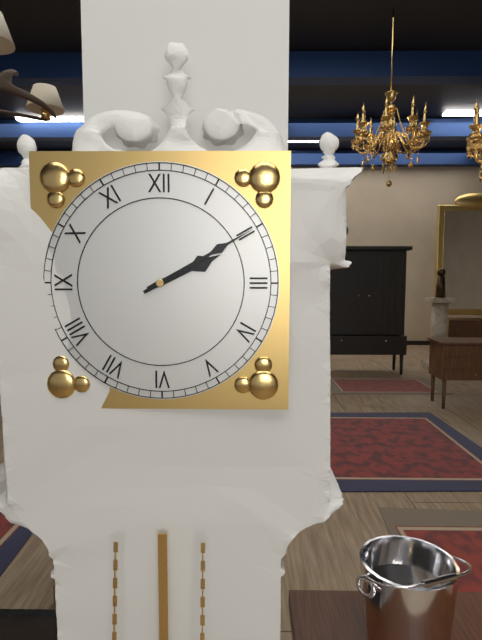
2:10
